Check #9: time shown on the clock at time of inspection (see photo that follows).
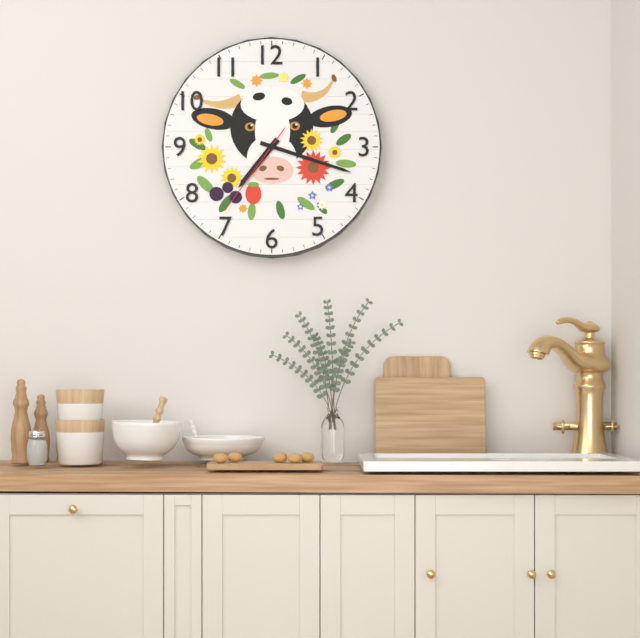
7:18:36
